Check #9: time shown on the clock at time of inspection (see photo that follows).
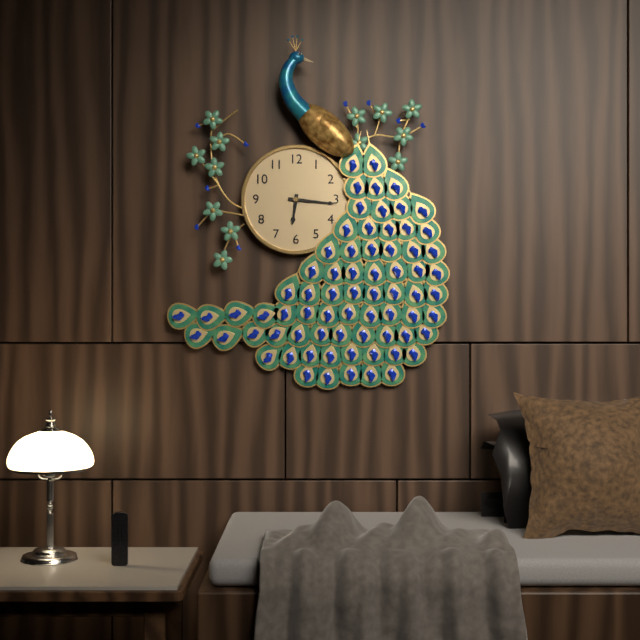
6:16
